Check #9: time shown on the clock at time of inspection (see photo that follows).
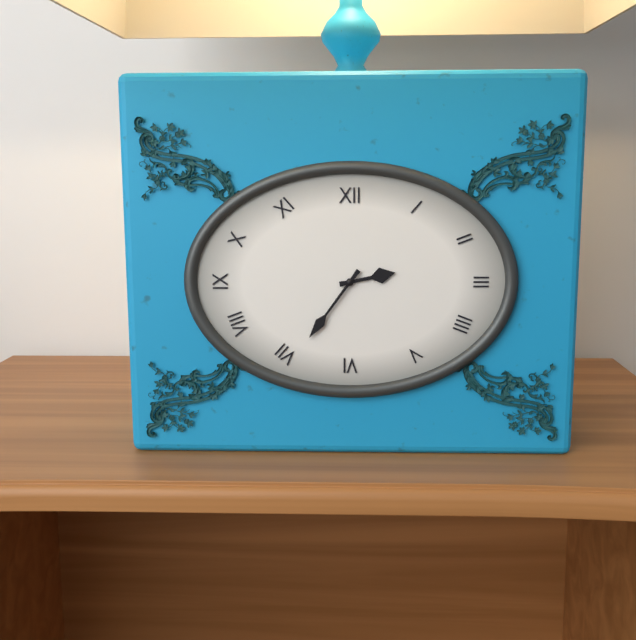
2:36
